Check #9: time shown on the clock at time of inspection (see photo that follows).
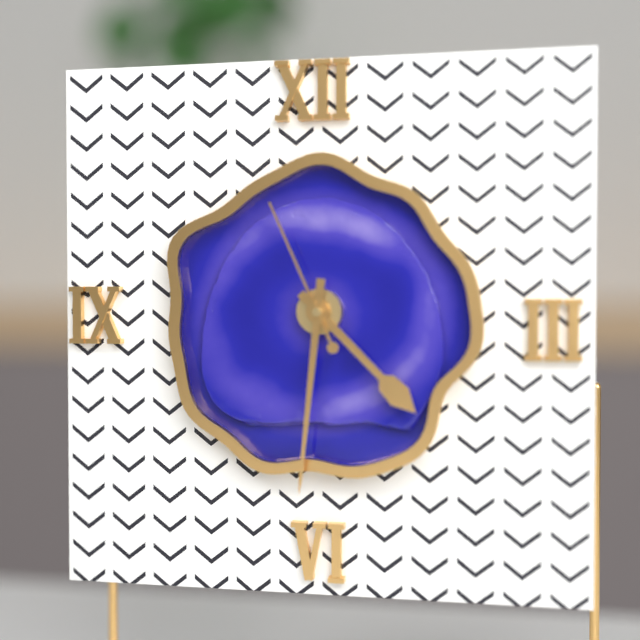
4:31:56
